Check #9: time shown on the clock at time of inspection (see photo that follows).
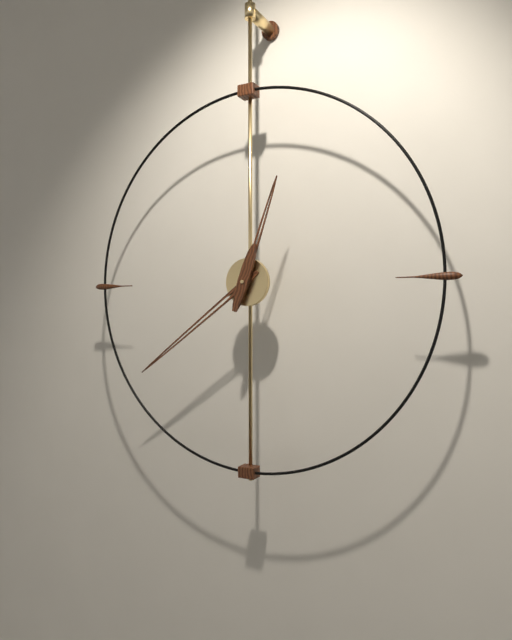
12:39
